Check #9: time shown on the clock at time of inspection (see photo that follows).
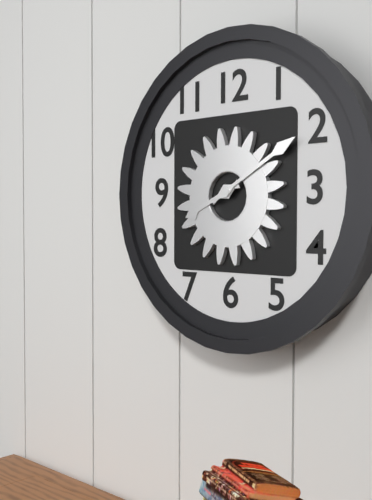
8:10
